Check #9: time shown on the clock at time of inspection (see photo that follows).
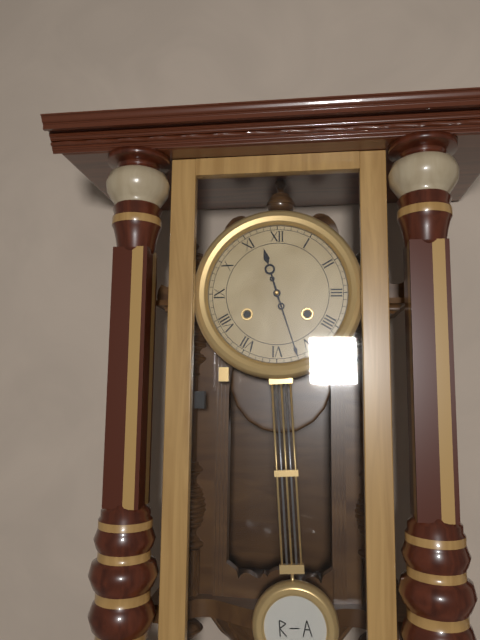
11:27
